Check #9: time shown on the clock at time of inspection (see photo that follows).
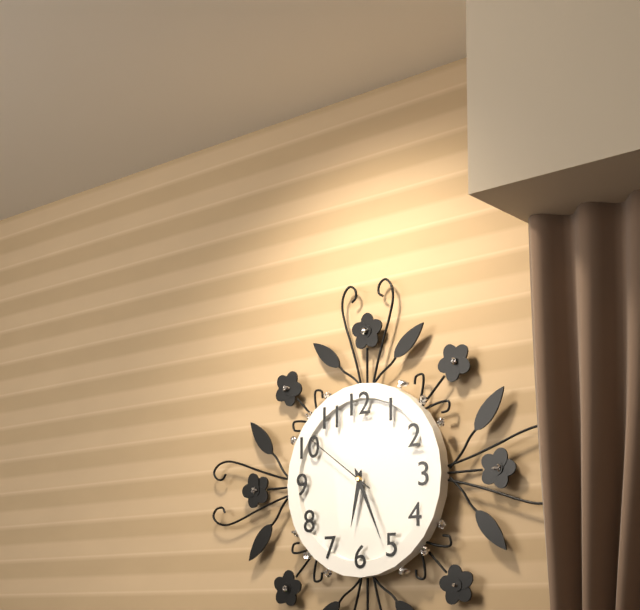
6:26:51
